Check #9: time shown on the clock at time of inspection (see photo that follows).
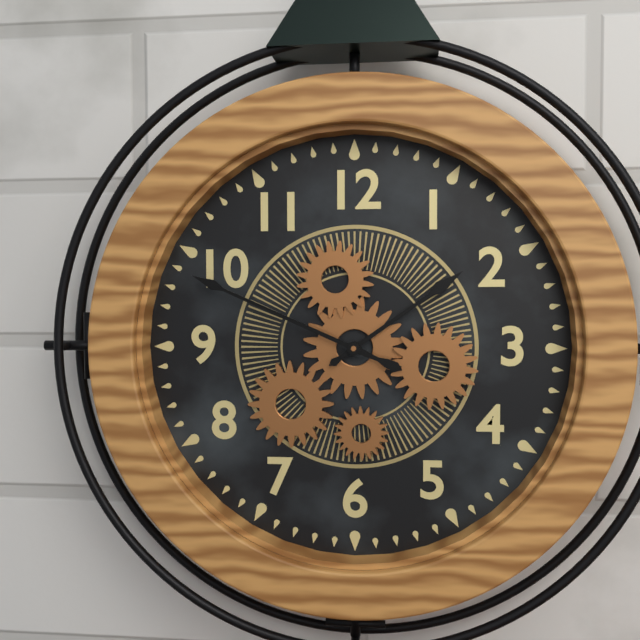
1:49
